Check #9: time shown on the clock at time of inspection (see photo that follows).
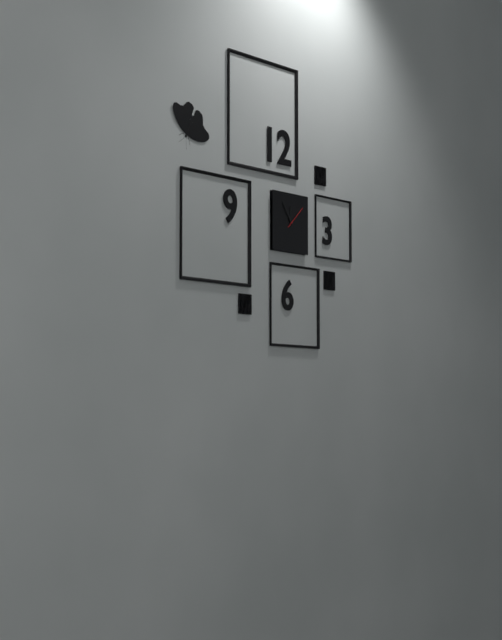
11:54
